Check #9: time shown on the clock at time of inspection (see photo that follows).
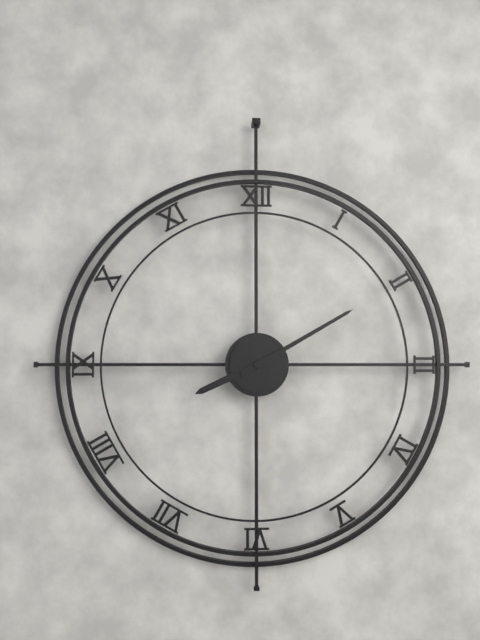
8:10
